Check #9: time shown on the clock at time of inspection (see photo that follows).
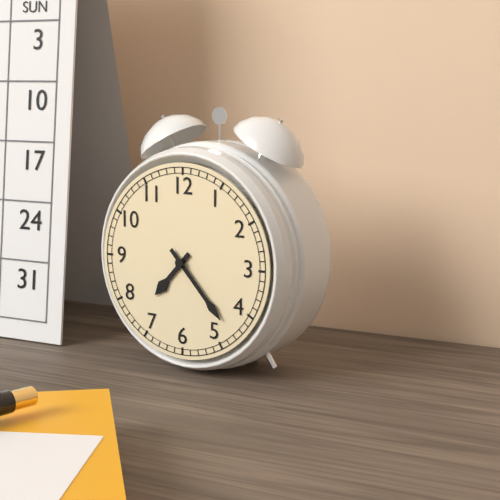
7:23
